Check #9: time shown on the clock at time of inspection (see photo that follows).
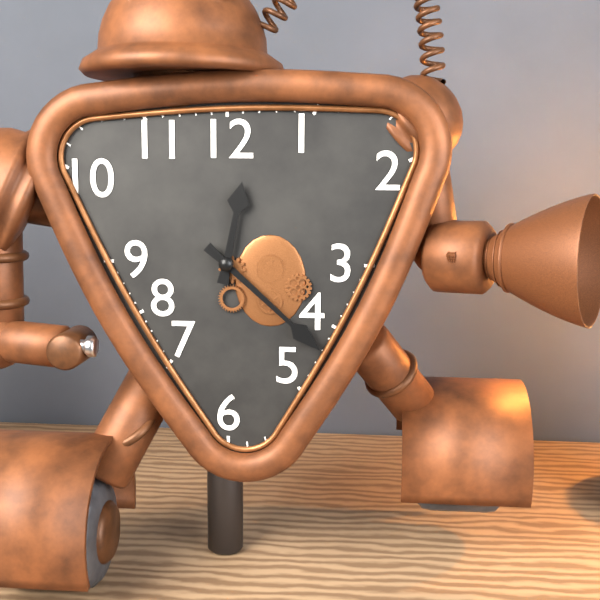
12:22
